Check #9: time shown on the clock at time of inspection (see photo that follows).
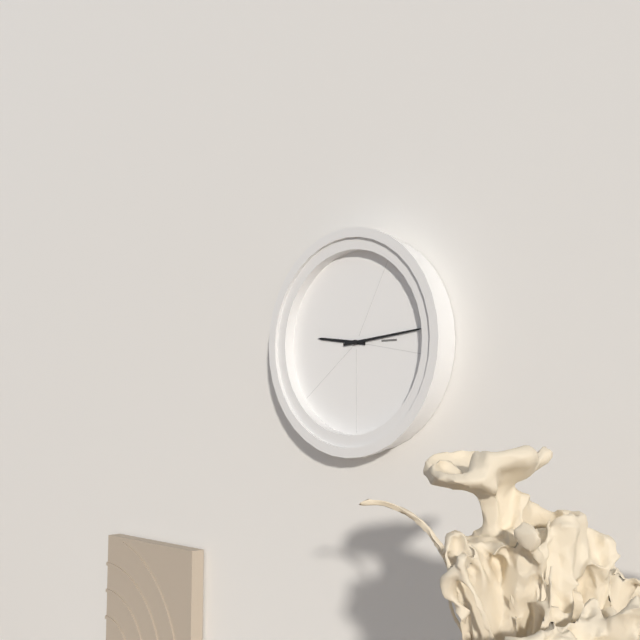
9:14
